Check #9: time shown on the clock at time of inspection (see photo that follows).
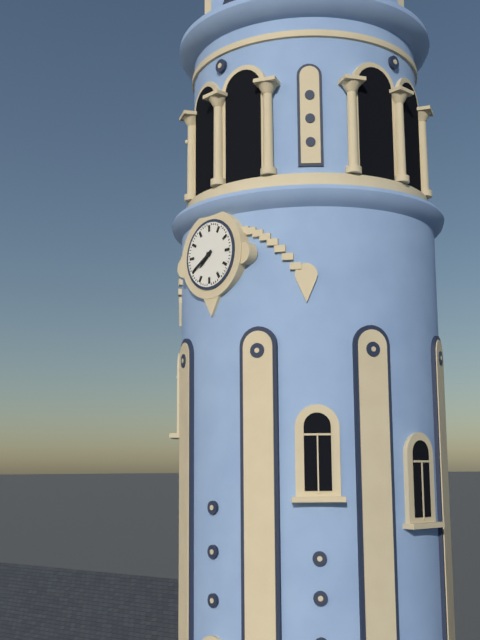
7:40
